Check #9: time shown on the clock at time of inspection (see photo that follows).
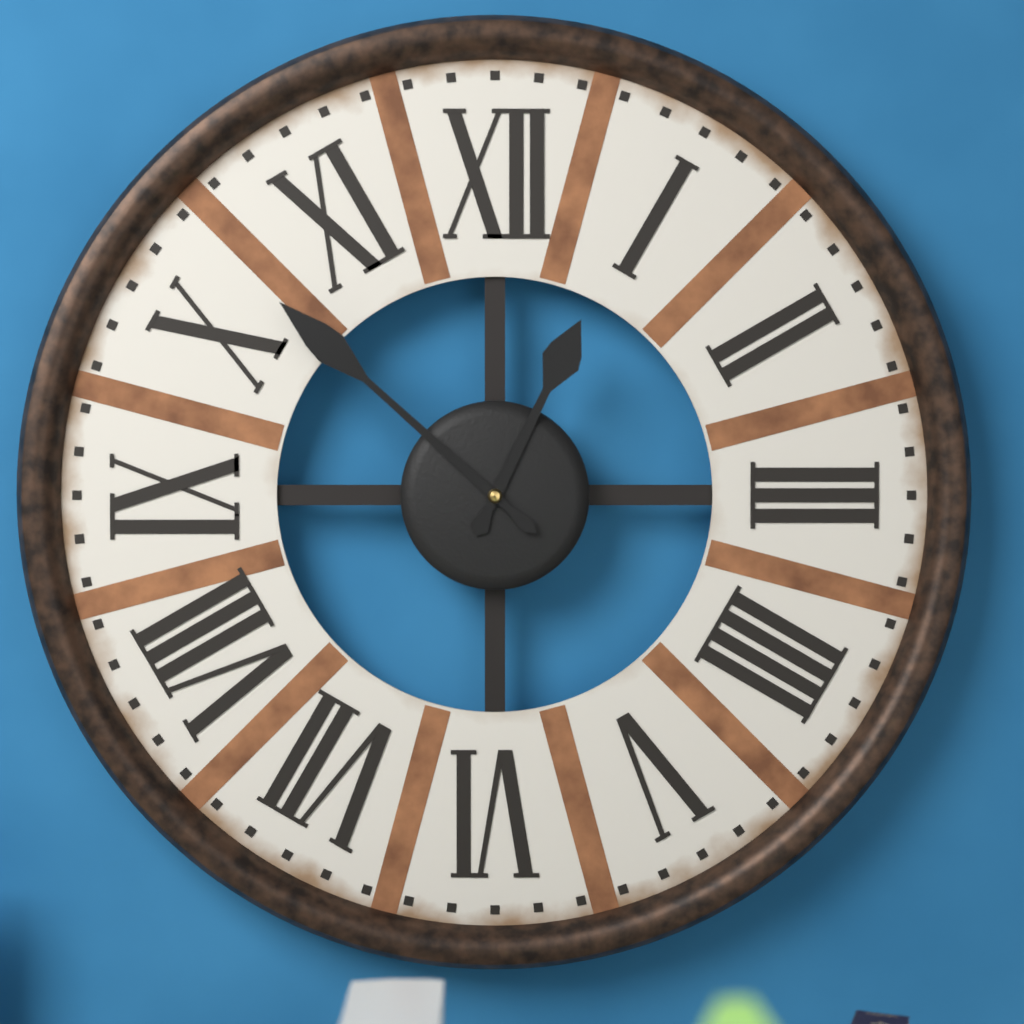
12:52
